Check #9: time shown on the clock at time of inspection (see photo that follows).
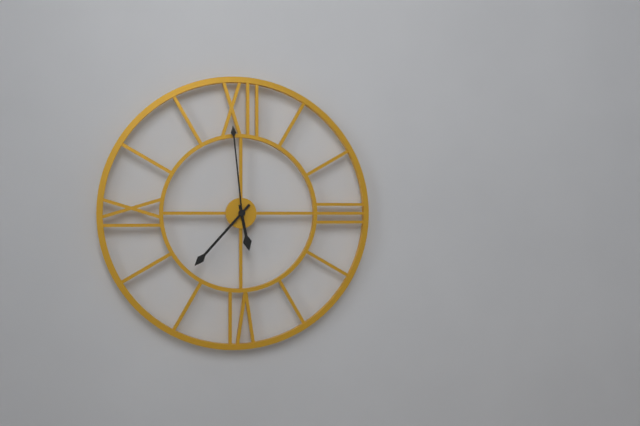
5:37:59
